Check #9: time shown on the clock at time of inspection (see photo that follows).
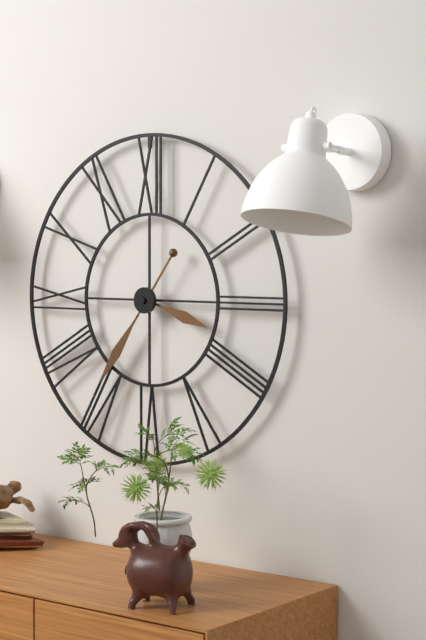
3:36
